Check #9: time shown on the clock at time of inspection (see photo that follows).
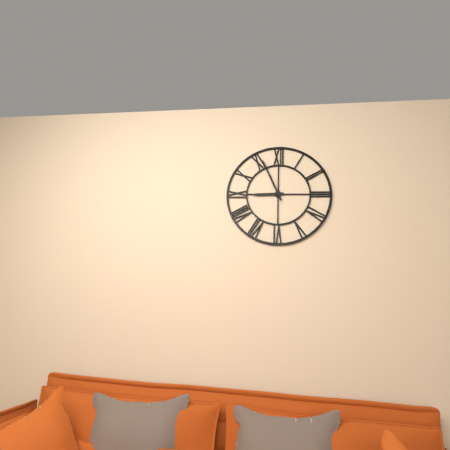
8:56
